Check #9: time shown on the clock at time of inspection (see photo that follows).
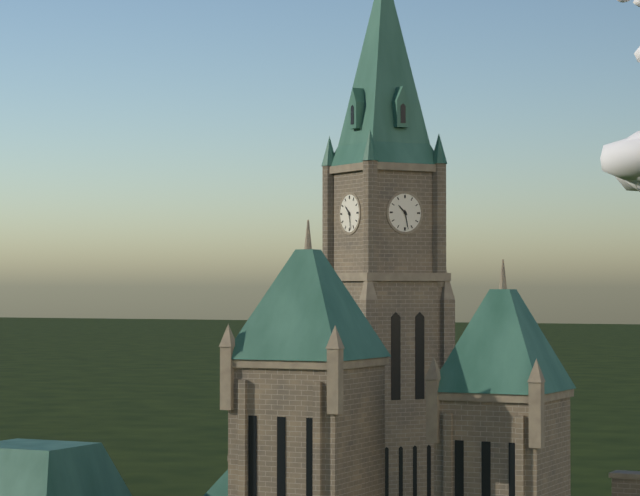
10:28
